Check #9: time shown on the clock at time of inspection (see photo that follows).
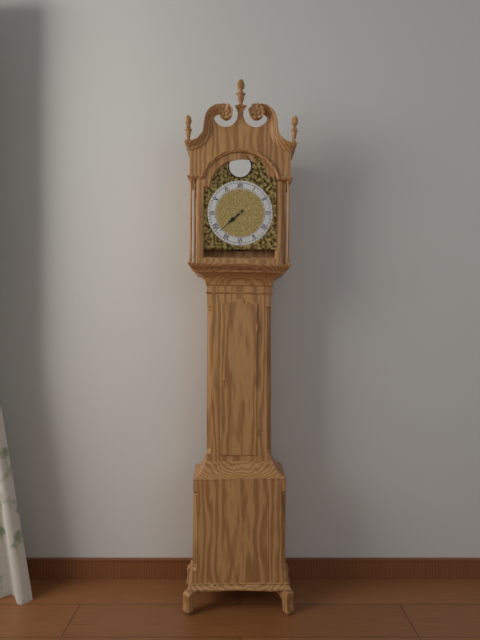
7:38
